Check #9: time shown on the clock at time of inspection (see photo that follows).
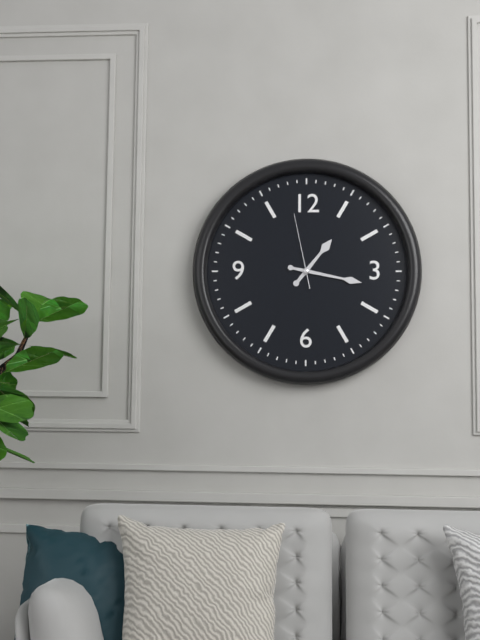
1:17:58
